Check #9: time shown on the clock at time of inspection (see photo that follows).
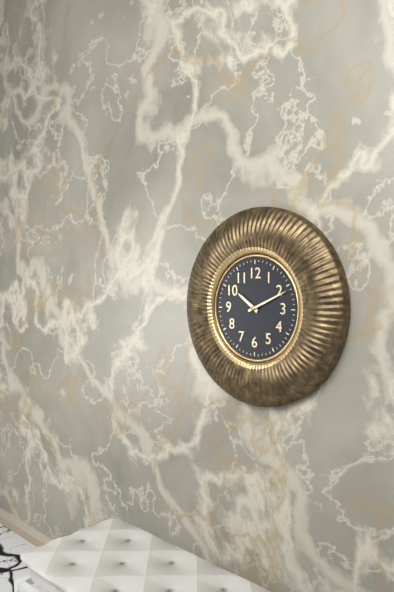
10:11
